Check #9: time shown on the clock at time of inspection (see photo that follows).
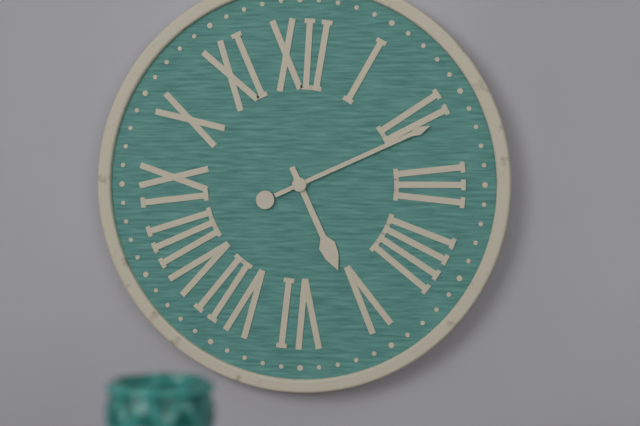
5:11
